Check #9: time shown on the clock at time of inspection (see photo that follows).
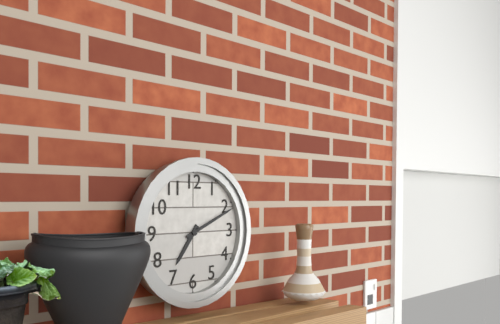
7:11
